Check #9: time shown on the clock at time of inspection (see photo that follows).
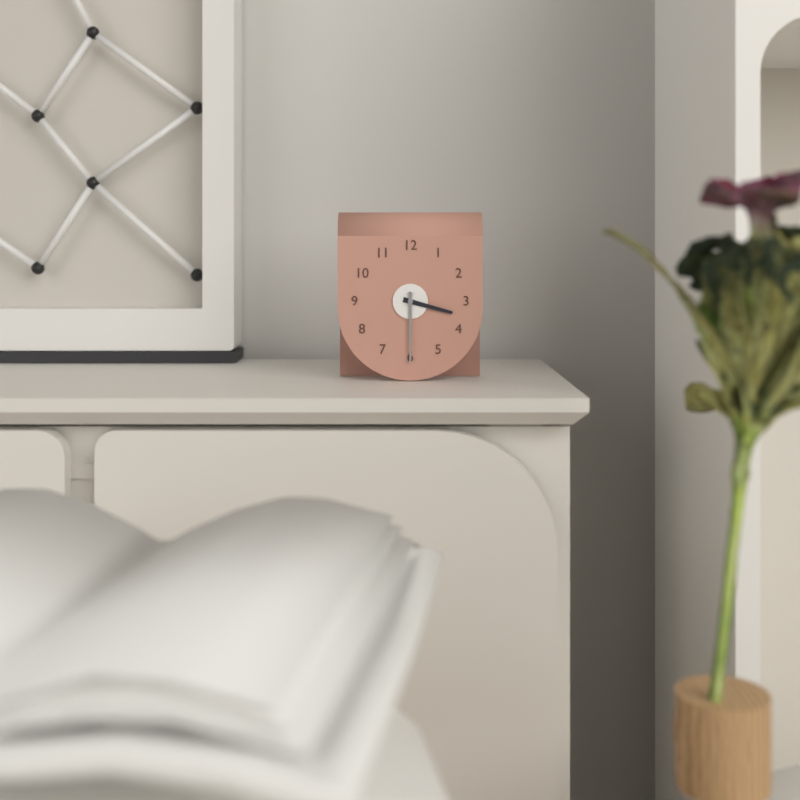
3:30
